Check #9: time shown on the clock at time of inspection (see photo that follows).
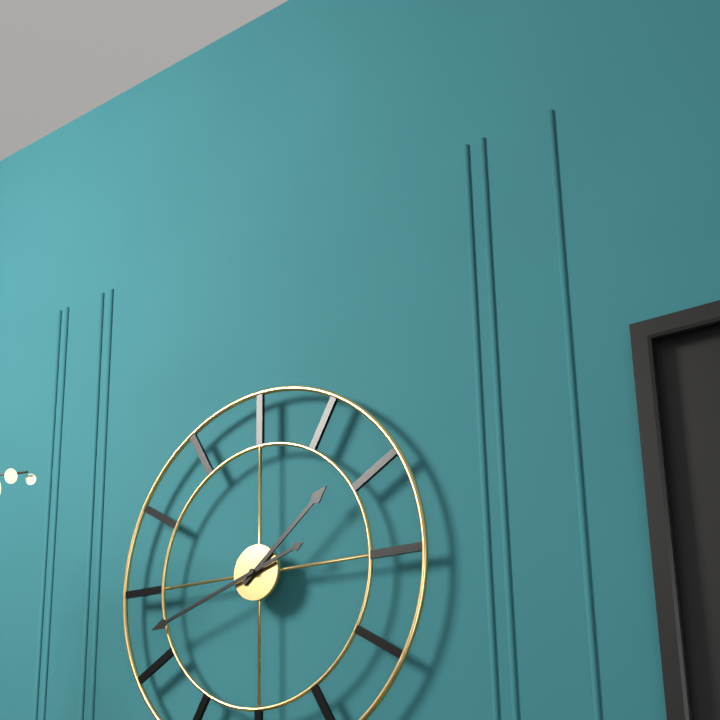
1:42
